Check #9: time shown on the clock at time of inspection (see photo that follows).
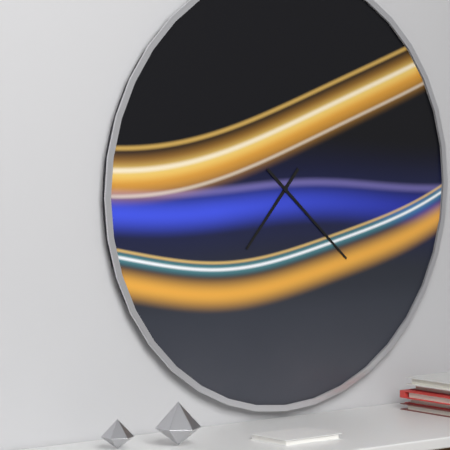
7:22
